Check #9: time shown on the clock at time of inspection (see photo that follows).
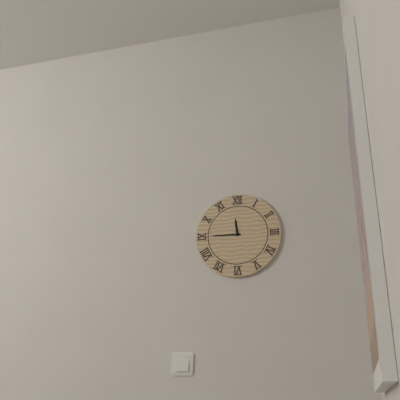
11:45
